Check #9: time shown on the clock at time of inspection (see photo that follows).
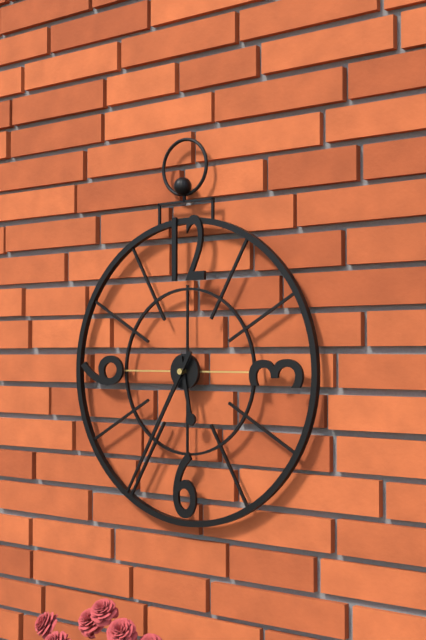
5:35
